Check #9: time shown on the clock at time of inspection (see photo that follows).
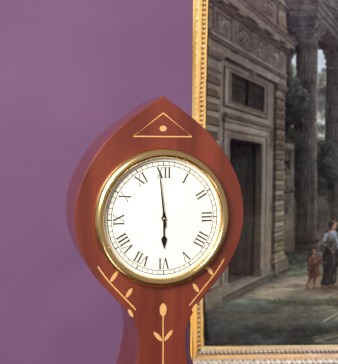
5:59
